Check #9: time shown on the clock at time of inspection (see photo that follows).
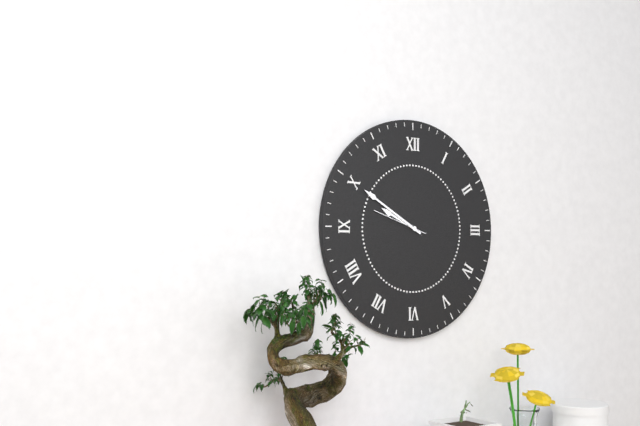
9:50
